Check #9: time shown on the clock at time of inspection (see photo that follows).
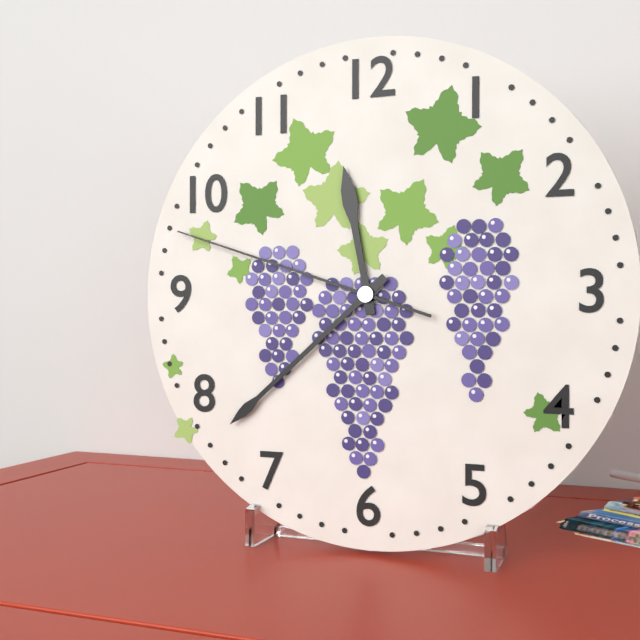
11:38:48
